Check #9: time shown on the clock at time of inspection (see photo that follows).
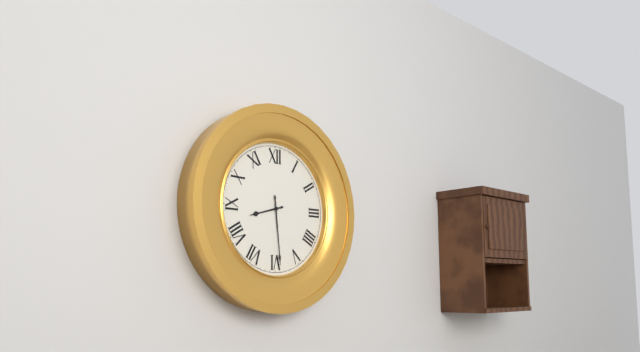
8:29
